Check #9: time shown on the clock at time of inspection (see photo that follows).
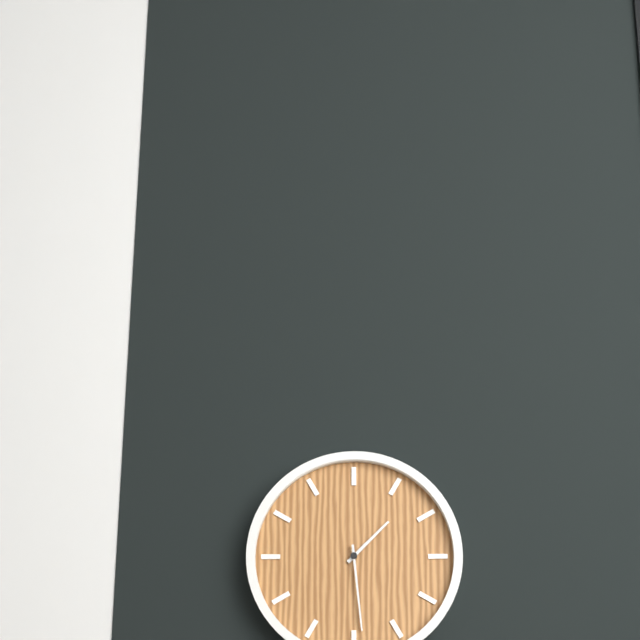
1:29
